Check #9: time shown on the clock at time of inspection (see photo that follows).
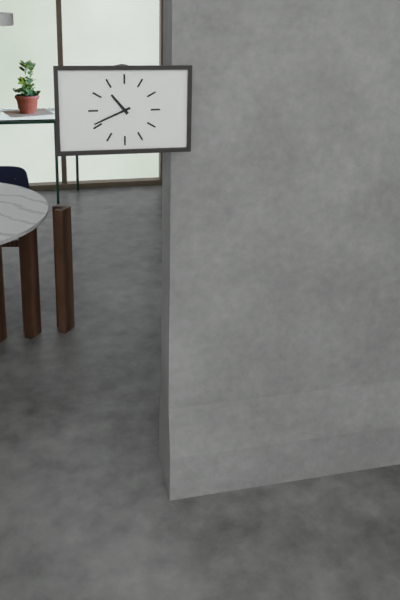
10:41
